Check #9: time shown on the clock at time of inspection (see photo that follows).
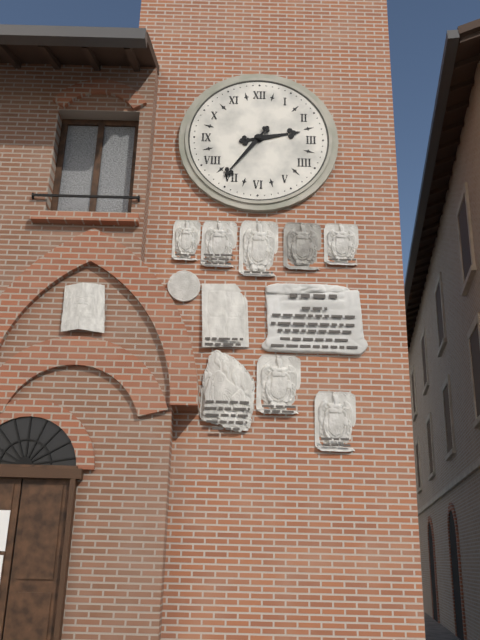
2:36
